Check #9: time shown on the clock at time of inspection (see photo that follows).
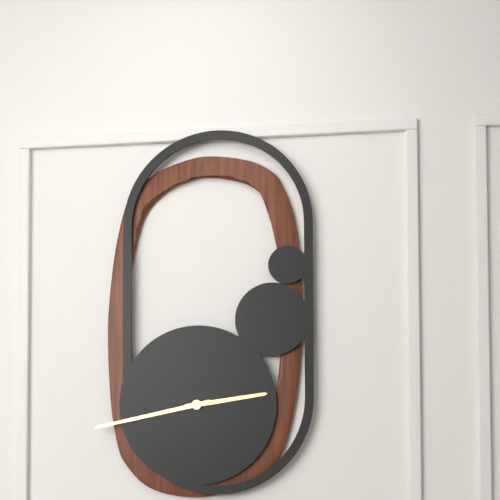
2:43
